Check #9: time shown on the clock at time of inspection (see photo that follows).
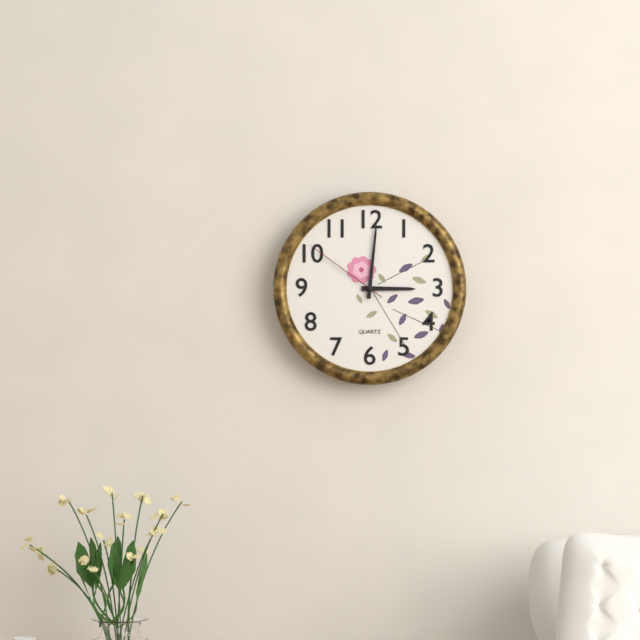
3:01:51
